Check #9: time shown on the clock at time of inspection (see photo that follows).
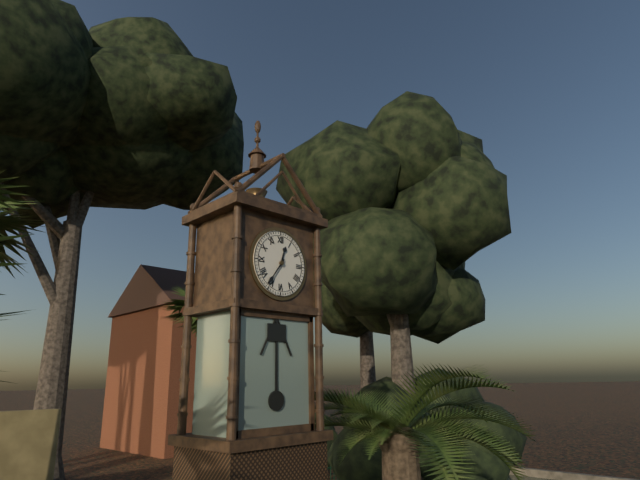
12:36
